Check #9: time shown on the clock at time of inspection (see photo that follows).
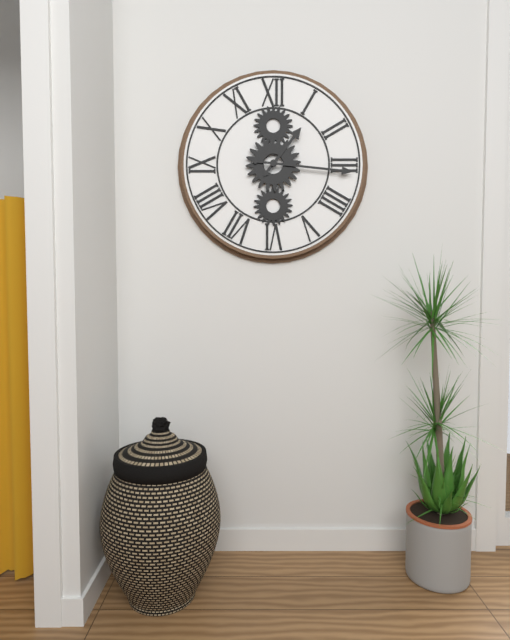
1:16
